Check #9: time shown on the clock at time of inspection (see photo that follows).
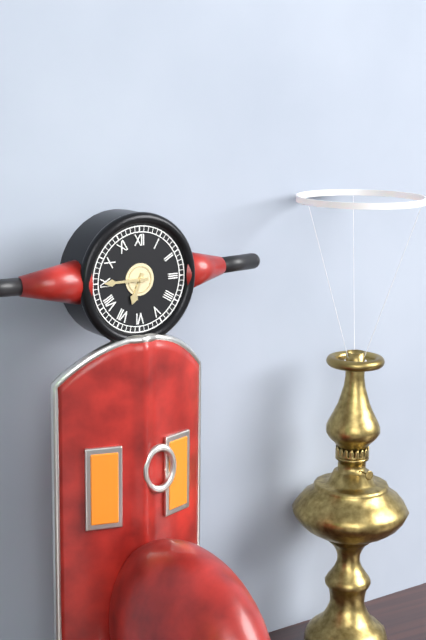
6:45
